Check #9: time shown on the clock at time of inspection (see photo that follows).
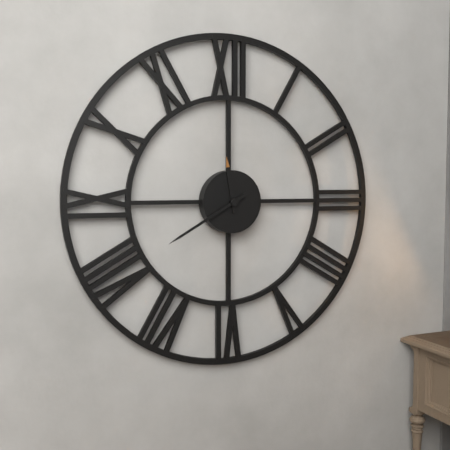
11:40
